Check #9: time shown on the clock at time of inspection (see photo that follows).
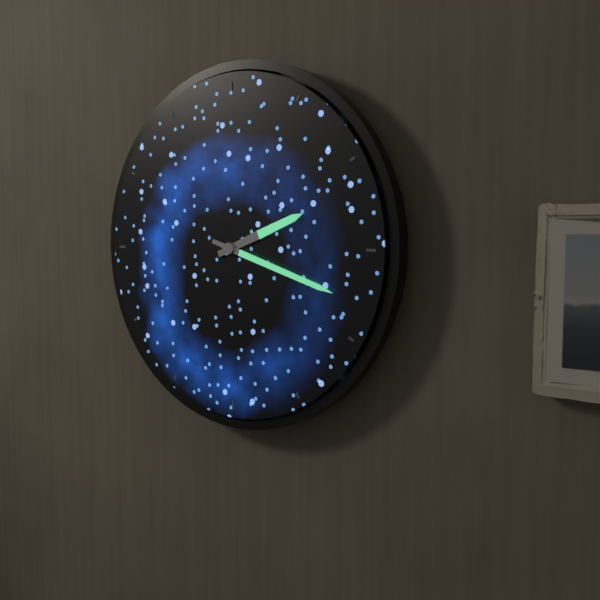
2:18
